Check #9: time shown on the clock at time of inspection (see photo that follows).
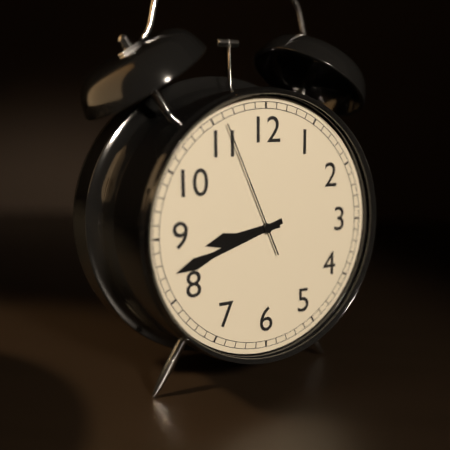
8:42:56
